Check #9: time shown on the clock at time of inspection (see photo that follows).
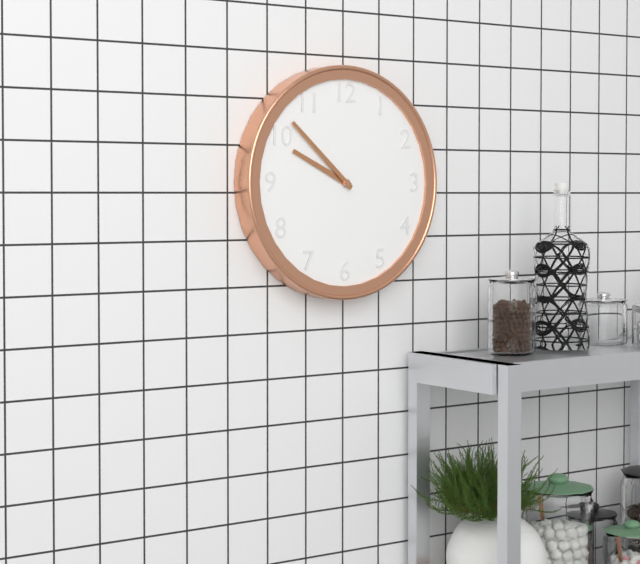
9:52
